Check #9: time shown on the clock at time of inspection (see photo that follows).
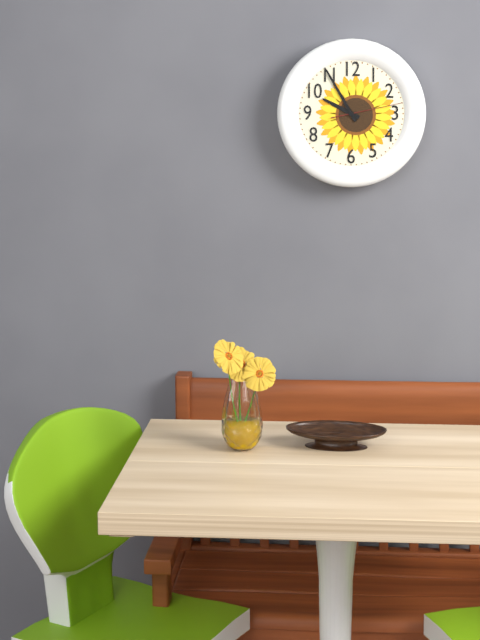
9:55:13
